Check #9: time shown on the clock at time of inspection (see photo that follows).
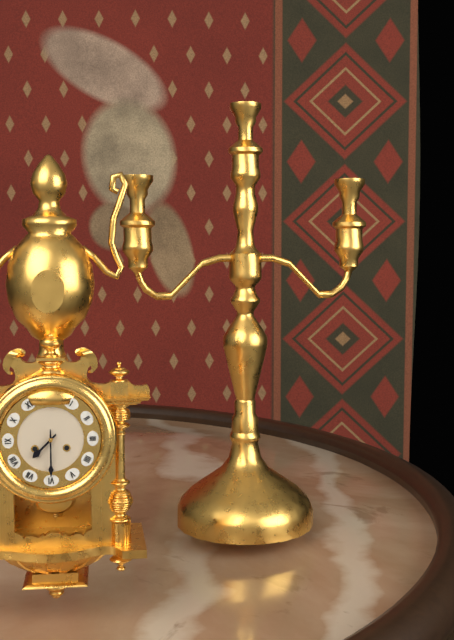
7:30
